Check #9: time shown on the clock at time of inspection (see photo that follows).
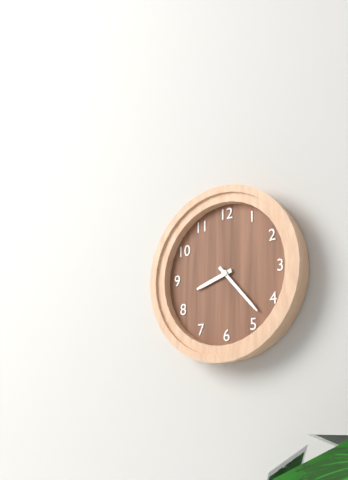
8:23
